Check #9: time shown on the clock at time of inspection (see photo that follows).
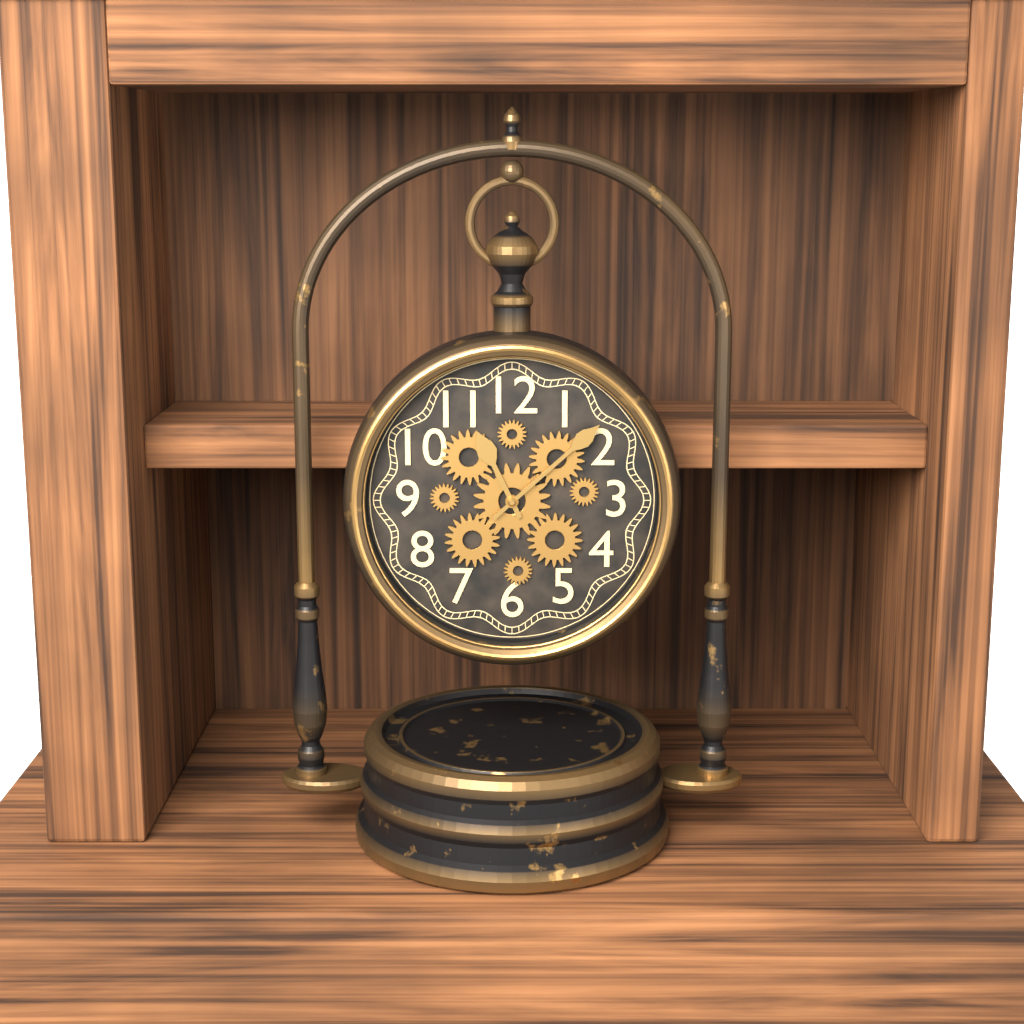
11:08
